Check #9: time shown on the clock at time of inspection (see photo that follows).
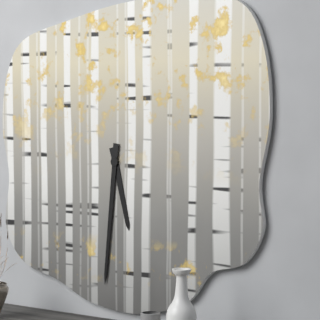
5:31
